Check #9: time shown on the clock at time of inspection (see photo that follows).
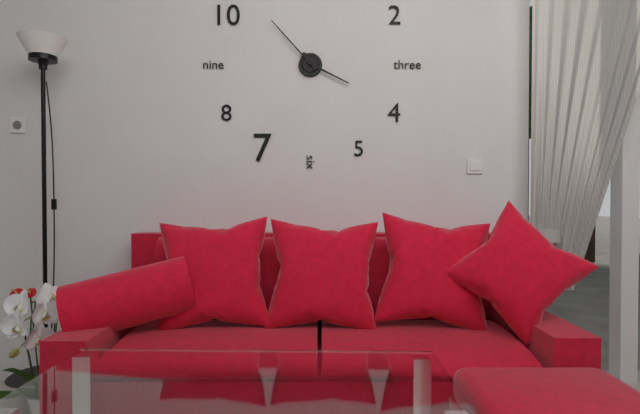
3:53
